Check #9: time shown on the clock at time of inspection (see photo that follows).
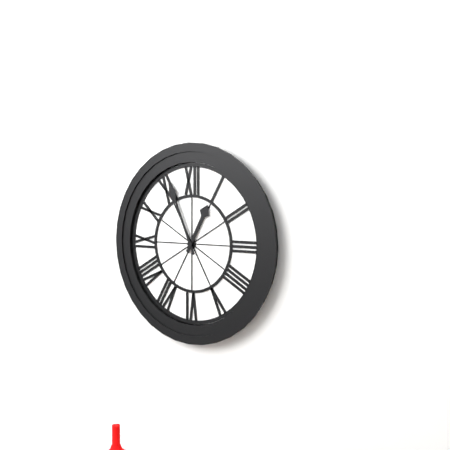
12:56
